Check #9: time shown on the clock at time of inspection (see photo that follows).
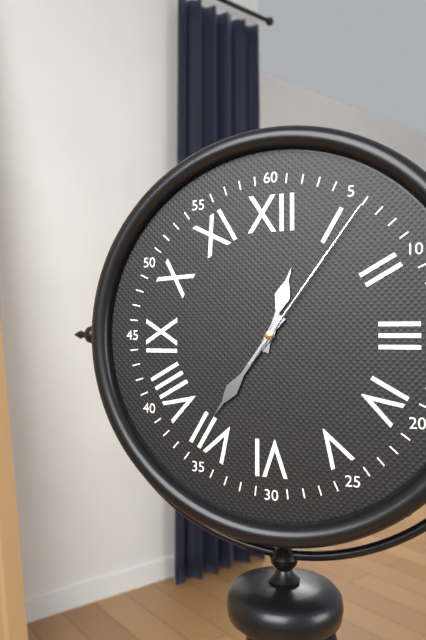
12:36:06
